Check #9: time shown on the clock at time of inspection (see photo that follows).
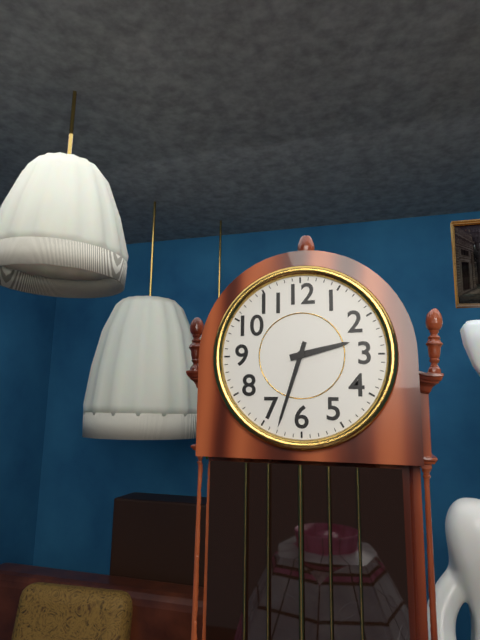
2:33
